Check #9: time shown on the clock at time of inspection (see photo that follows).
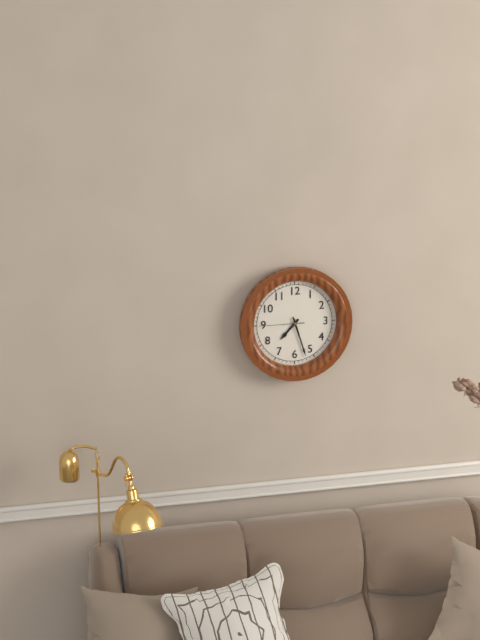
7:27
